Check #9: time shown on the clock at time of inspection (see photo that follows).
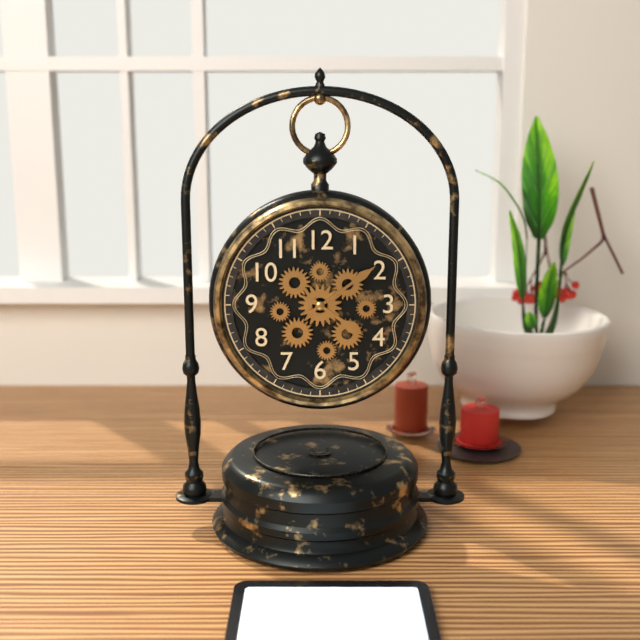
4:09
